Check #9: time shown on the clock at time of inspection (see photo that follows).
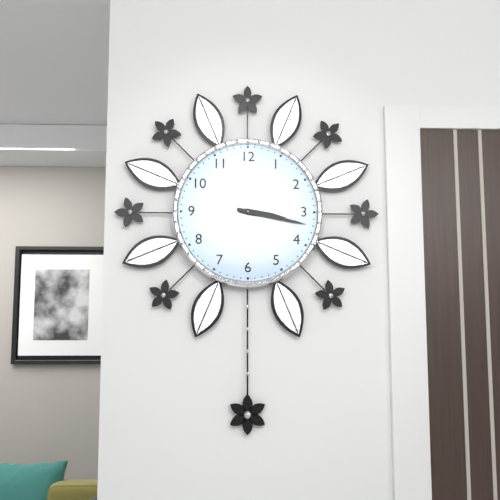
3:17
